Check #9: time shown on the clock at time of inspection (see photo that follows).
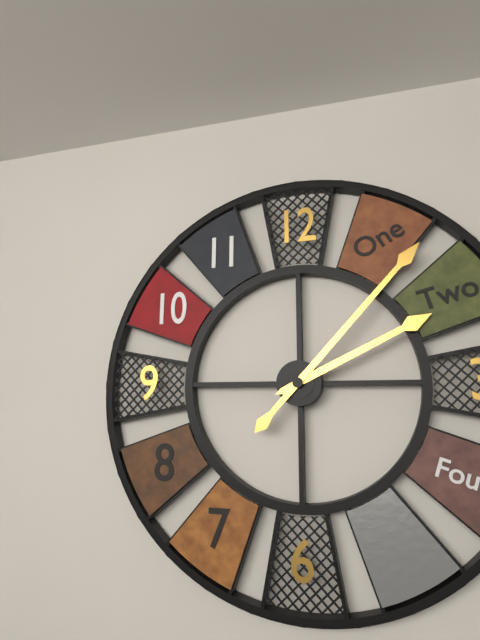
2:07
